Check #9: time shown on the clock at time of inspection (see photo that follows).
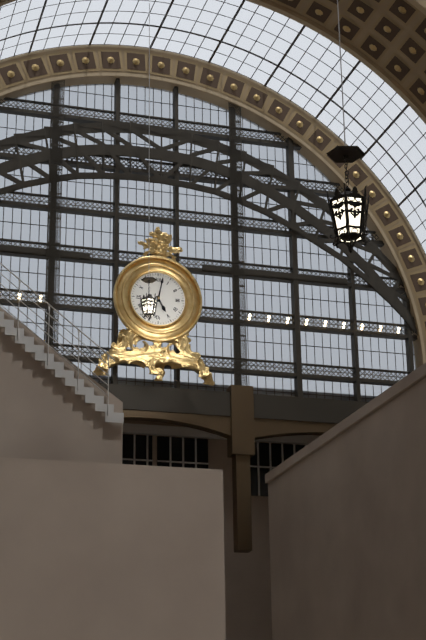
5:02
